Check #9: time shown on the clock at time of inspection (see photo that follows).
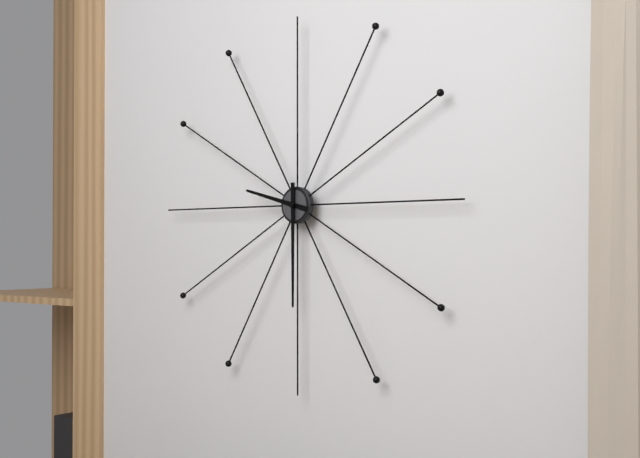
9:30
